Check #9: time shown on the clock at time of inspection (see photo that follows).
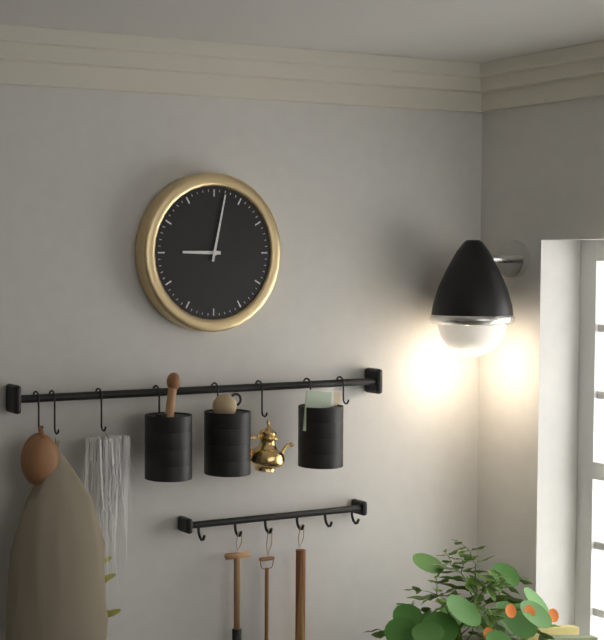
9:02
